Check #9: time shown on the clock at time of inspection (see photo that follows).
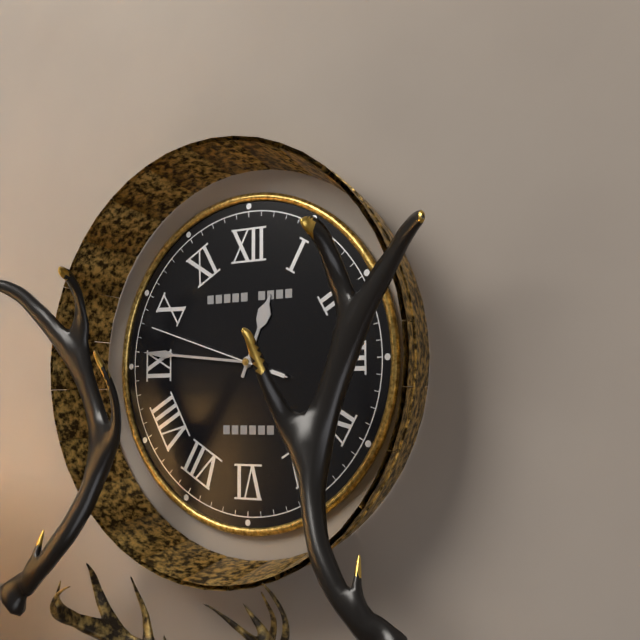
12:46:48
